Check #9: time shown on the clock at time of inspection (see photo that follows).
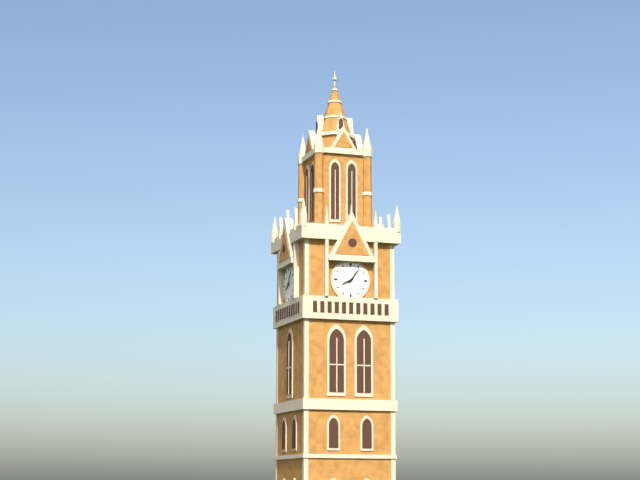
8:06
